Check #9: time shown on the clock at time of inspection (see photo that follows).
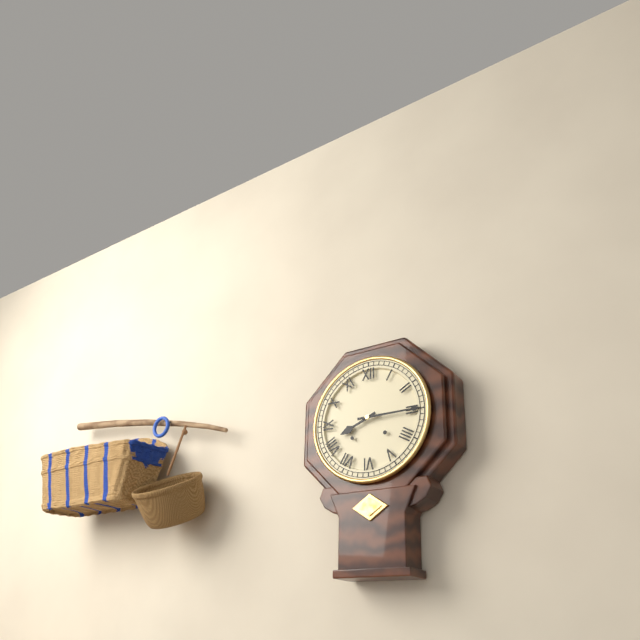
8:15
